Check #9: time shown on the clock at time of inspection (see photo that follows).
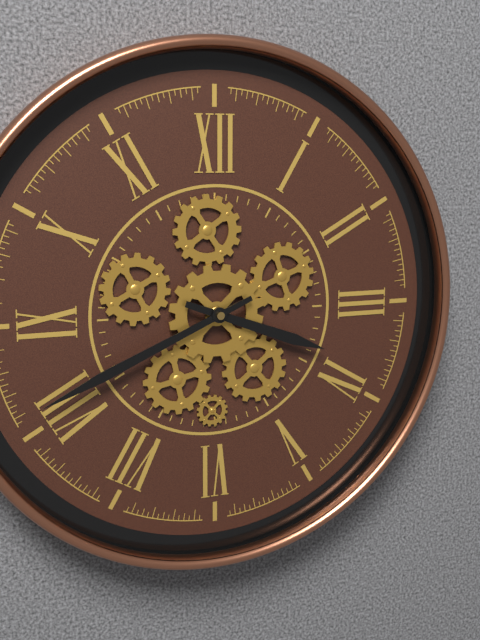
3:41
